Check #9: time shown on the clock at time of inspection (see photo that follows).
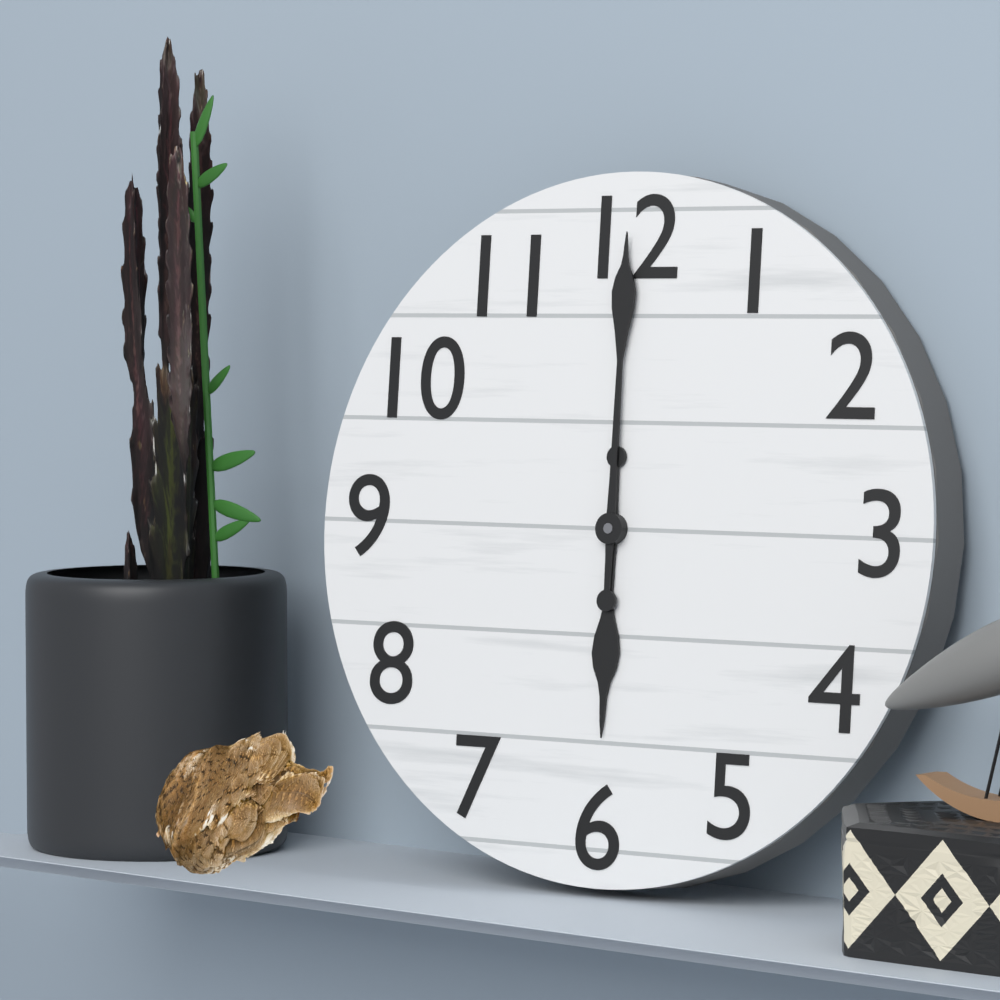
6:00
